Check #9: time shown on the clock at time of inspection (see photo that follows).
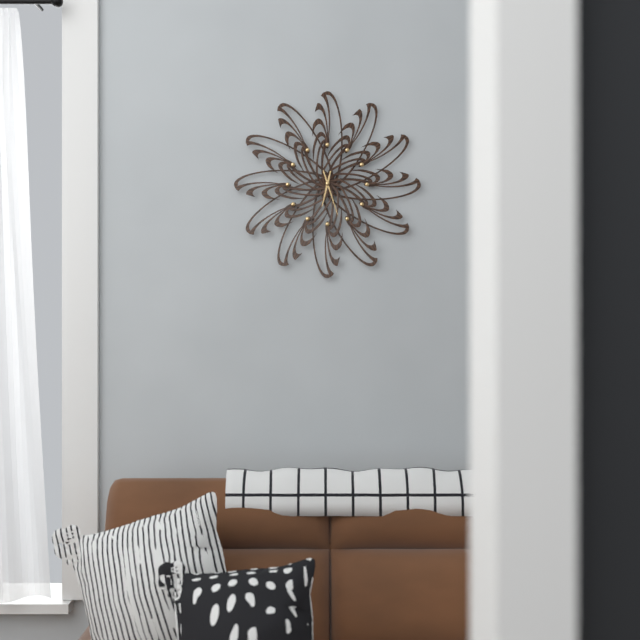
6:27
